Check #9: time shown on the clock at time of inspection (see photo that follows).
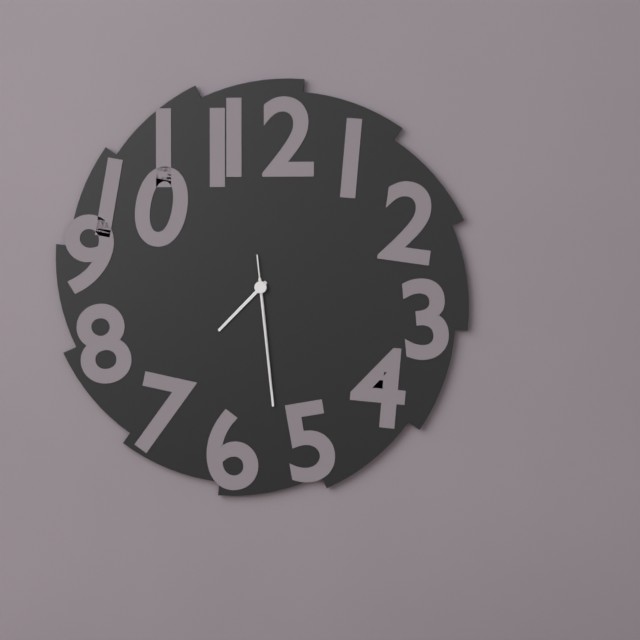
7:29:29
